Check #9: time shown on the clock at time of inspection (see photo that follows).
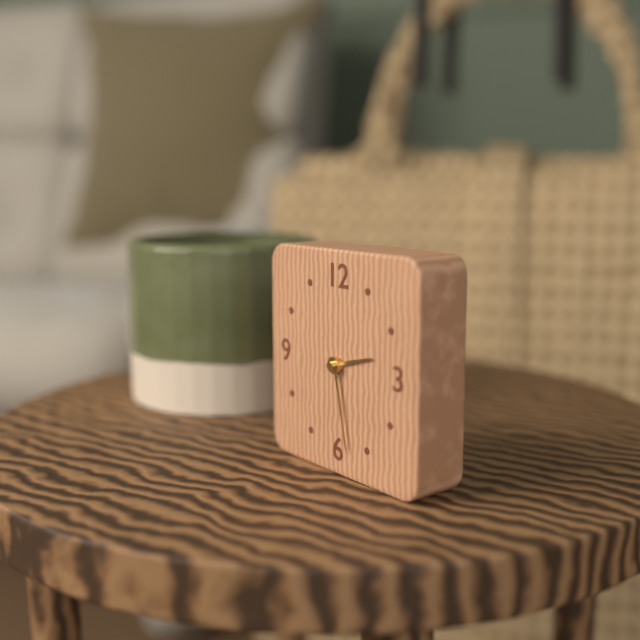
2:28
